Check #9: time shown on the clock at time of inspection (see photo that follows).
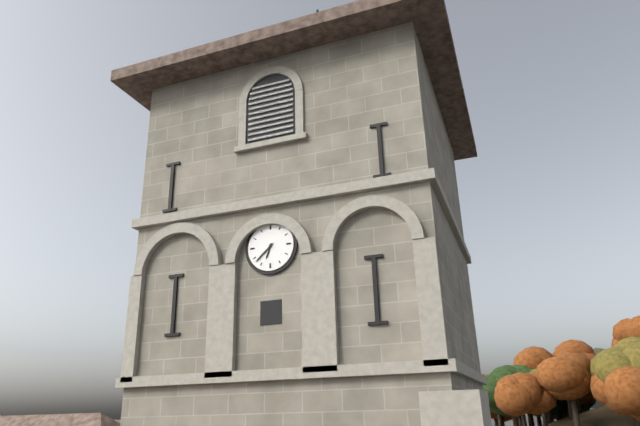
6:38
